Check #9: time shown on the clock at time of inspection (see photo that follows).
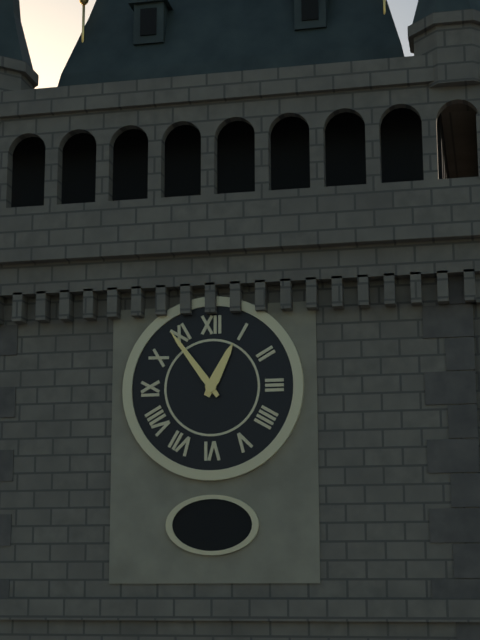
12:54
